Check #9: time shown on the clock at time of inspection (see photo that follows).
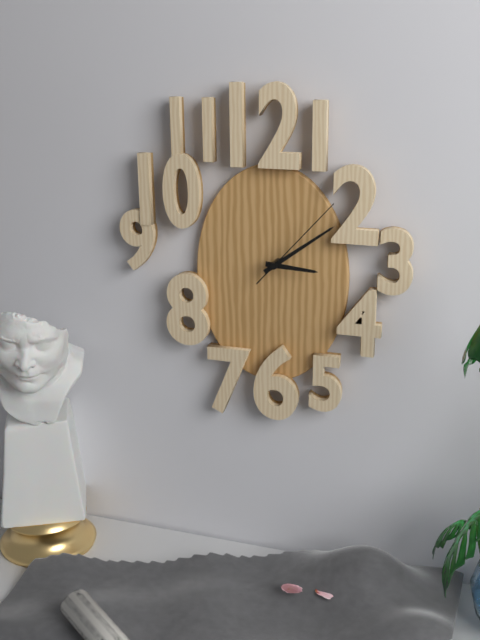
3:09:07
